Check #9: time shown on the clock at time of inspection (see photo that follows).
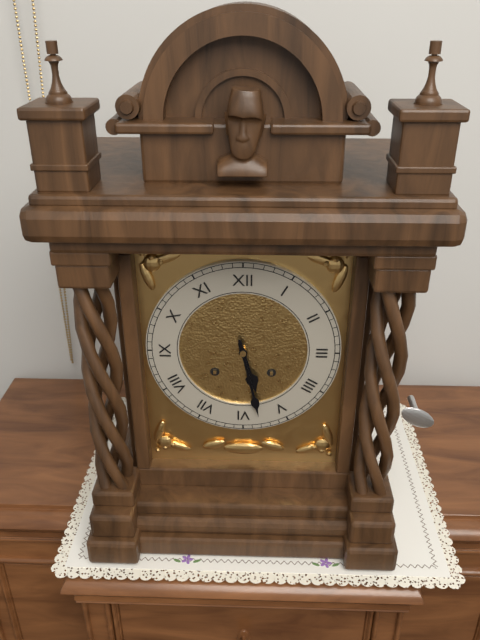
5:28
